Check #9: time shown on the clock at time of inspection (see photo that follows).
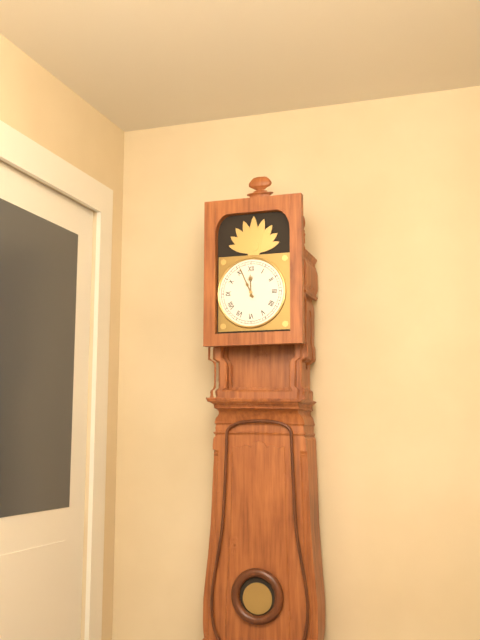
11:56
